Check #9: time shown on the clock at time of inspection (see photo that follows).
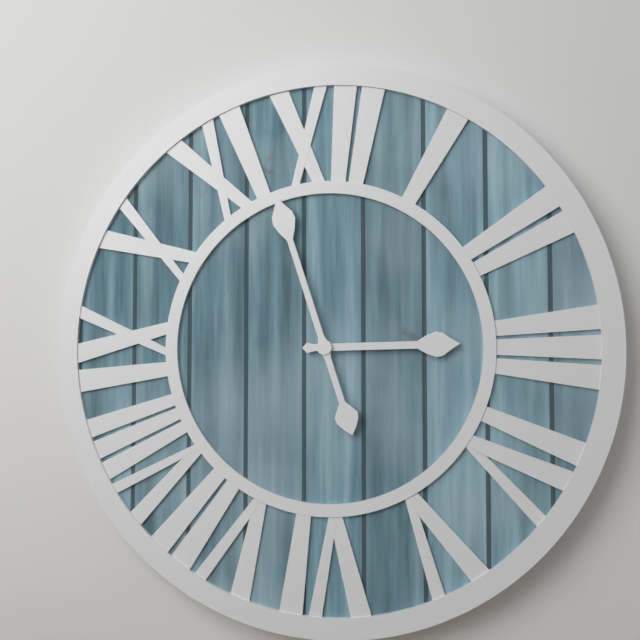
2:57
